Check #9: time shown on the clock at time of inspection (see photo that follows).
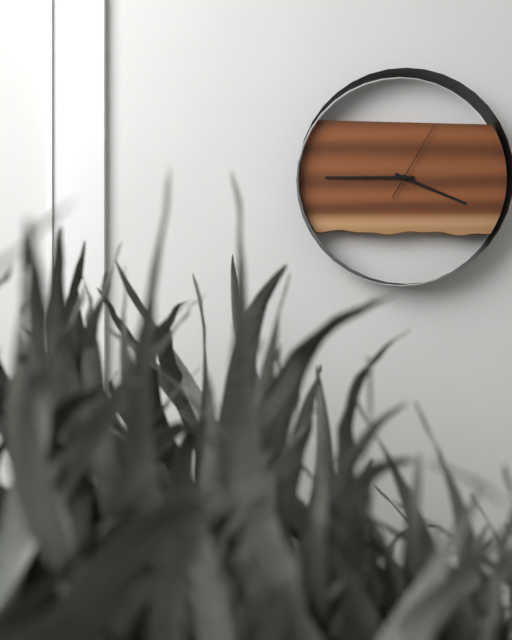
3:45:05
